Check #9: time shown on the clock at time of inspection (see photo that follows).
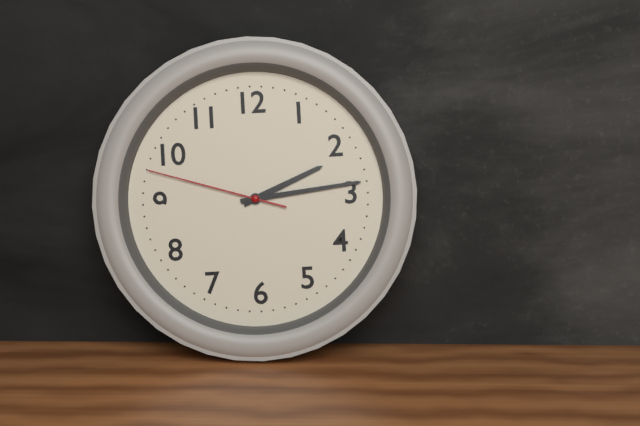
2:14:48
